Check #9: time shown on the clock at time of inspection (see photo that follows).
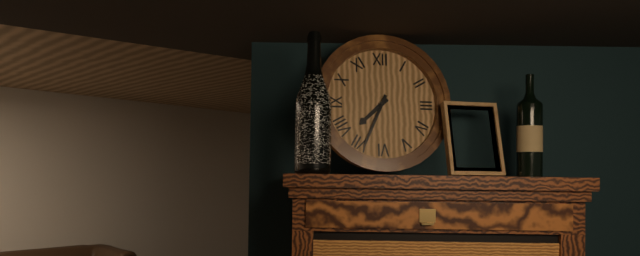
7:34
